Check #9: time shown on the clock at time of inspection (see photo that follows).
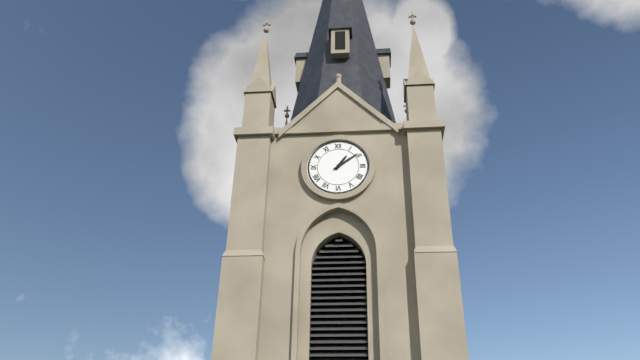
1:09
